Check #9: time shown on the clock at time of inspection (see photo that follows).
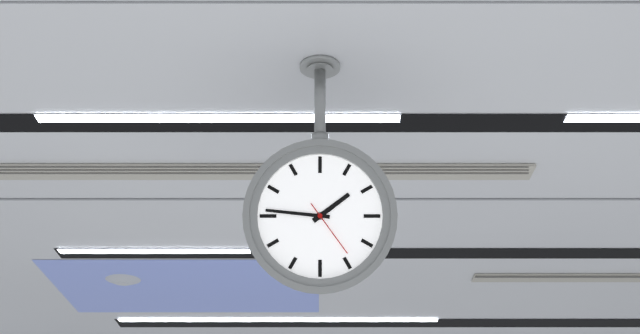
1:46:24
